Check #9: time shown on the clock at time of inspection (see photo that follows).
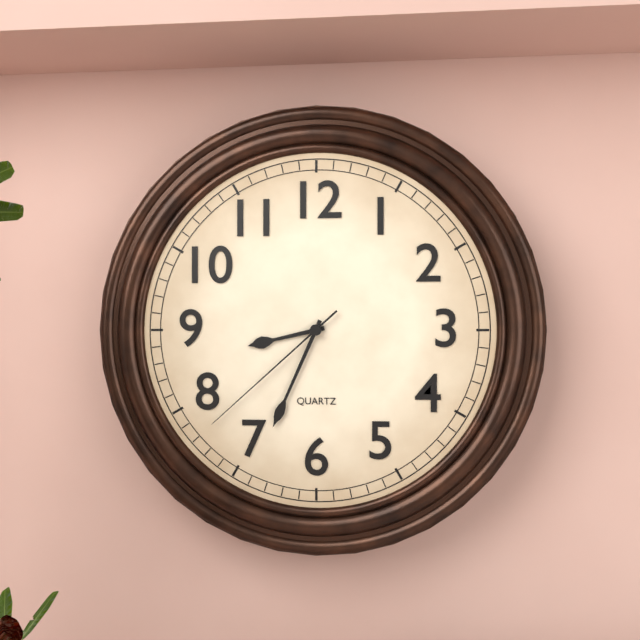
8:34:38
